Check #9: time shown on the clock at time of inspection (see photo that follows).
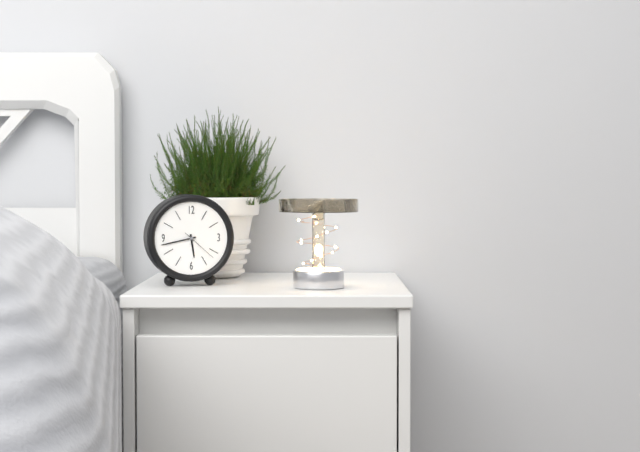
5:43
